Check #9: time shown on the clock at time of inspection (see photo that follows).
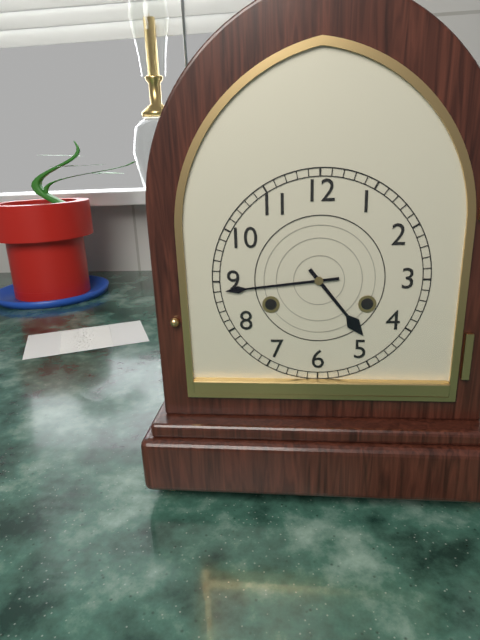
4:44
